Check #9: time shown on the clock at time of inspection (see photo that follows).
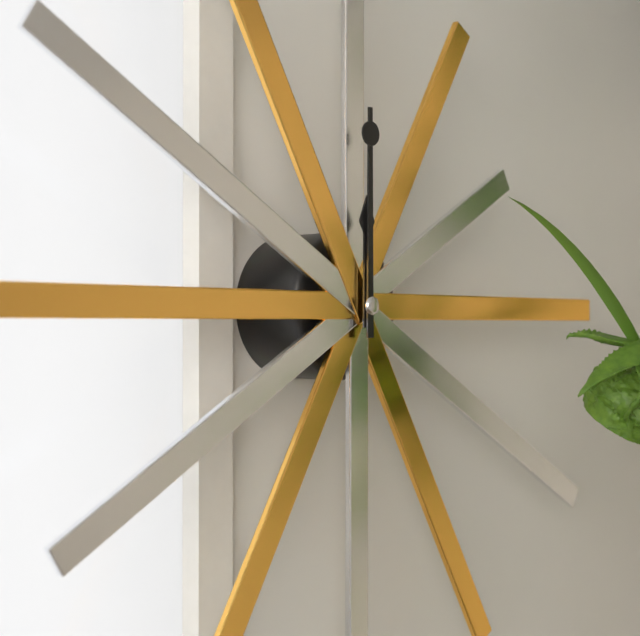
12:00
